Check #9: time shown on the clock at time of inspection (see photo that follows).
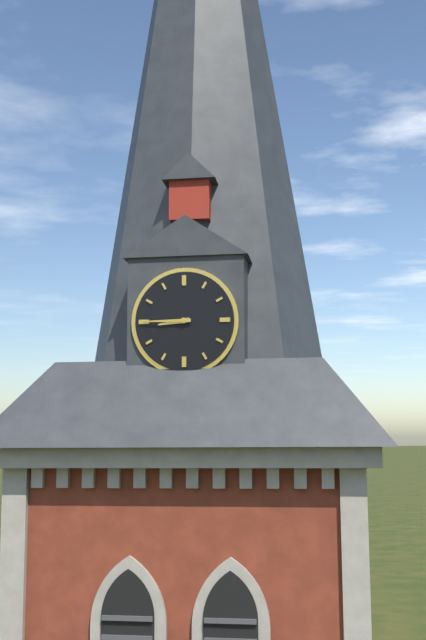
8:45
